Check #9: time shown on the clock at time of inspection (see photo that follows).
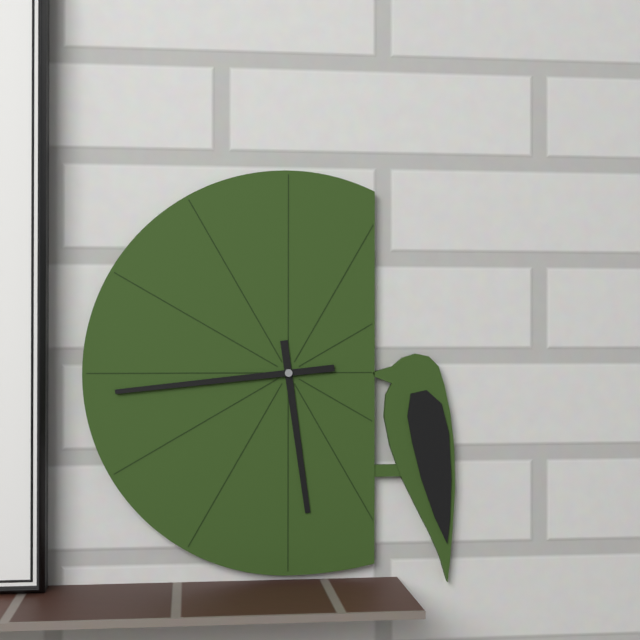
5:44
